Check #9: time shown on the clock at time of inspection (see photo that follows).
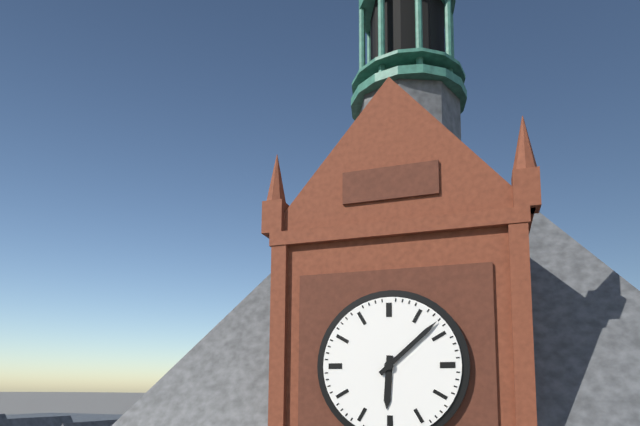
6:08
